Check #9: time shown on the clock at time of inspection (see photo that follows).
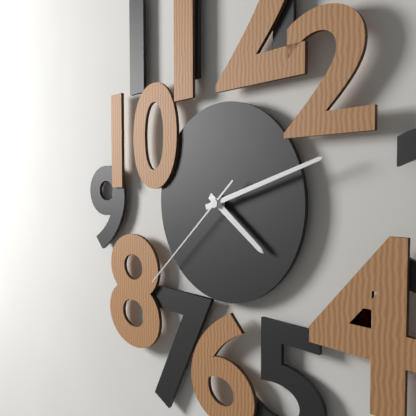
4:12:38
